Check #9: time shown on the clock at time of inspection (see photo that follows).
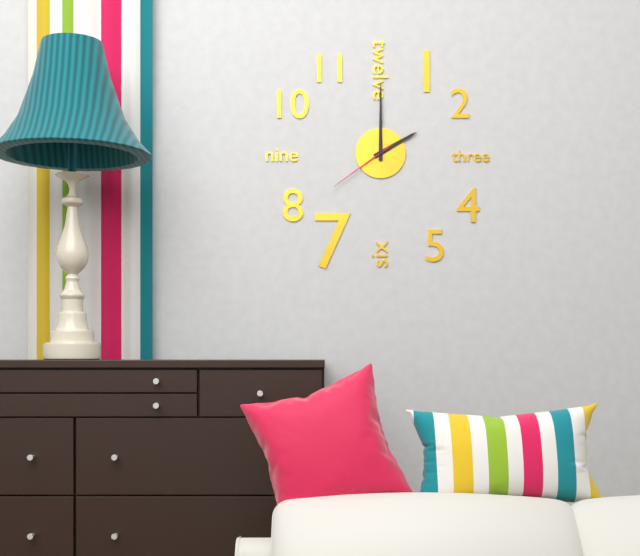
2:00:39
